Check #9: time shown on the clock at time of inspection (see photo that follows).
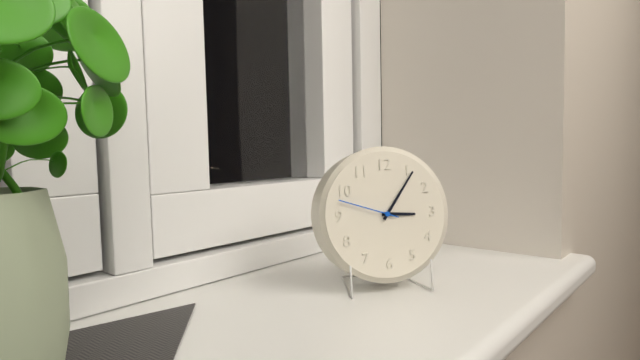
3:06:48
